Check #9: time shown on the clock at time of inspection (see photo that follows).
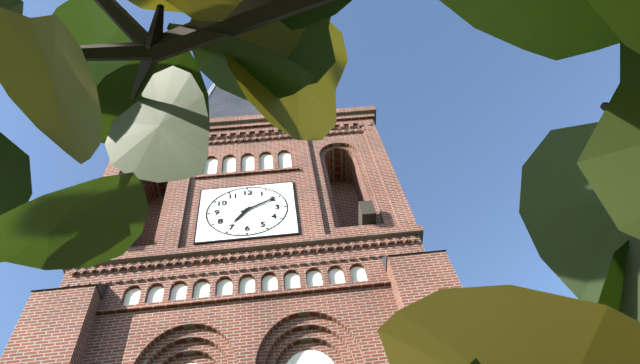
7:10
